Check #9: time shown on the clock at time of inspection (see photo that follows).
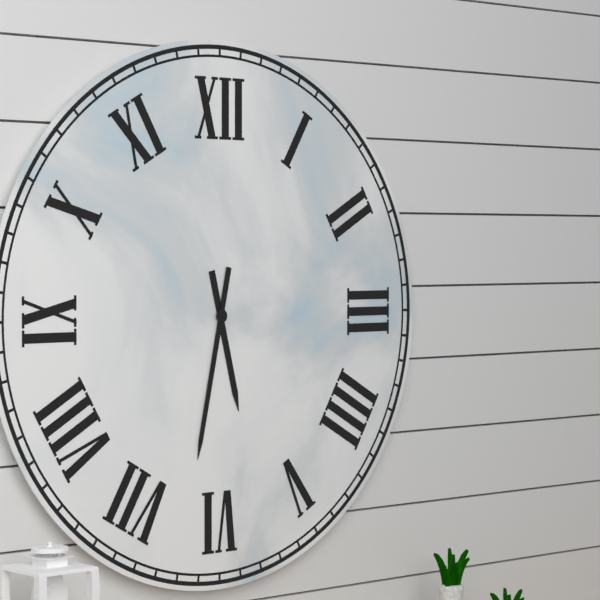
5:32
